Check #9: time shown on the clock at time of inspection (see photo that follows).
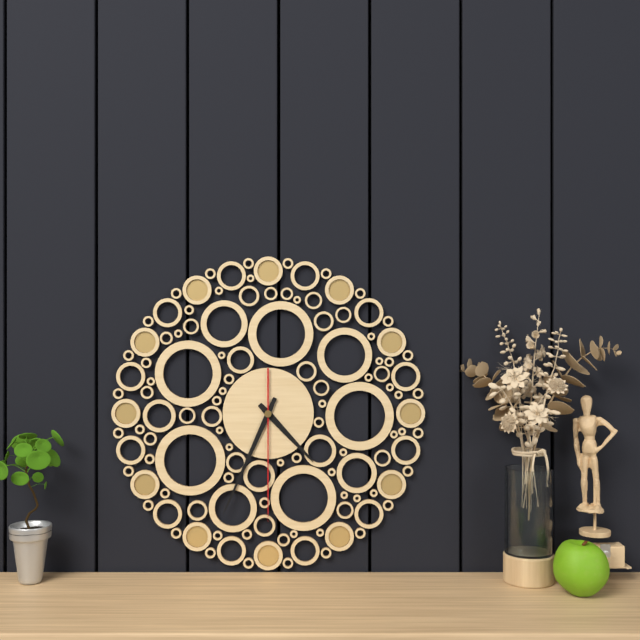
4:34:30
